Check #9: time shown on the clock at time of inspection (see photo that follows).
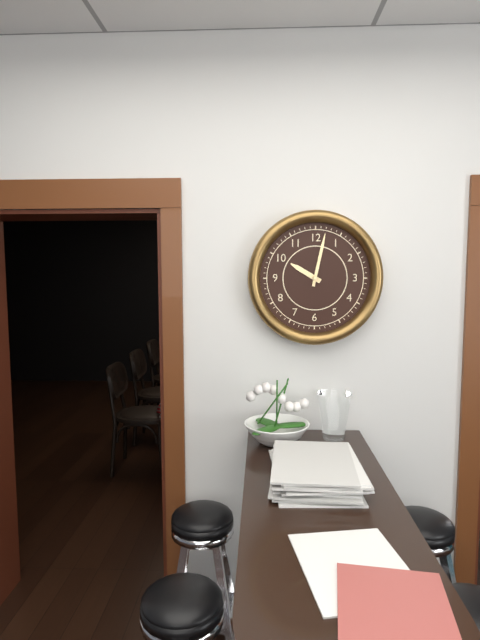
10:02
